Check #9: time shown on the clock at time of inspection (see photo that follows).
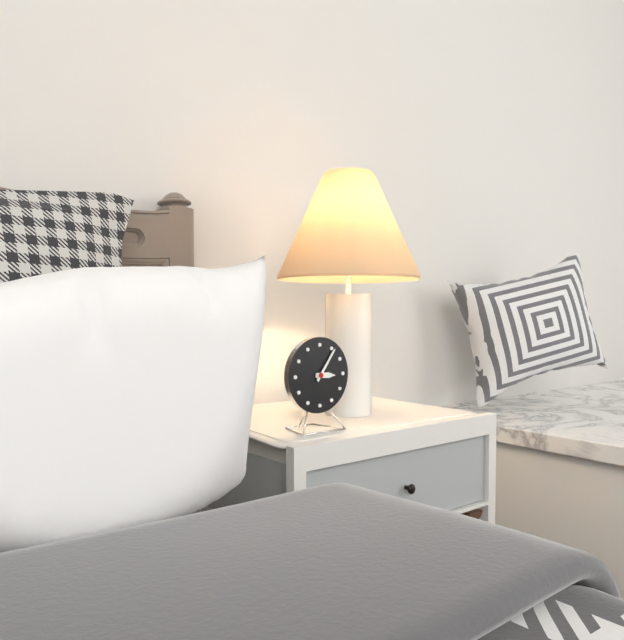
3:06
